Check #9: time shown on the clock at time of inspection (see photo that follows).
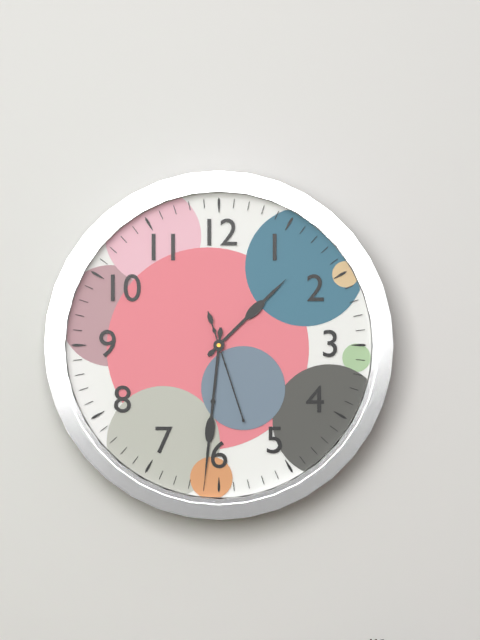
1:31:27
